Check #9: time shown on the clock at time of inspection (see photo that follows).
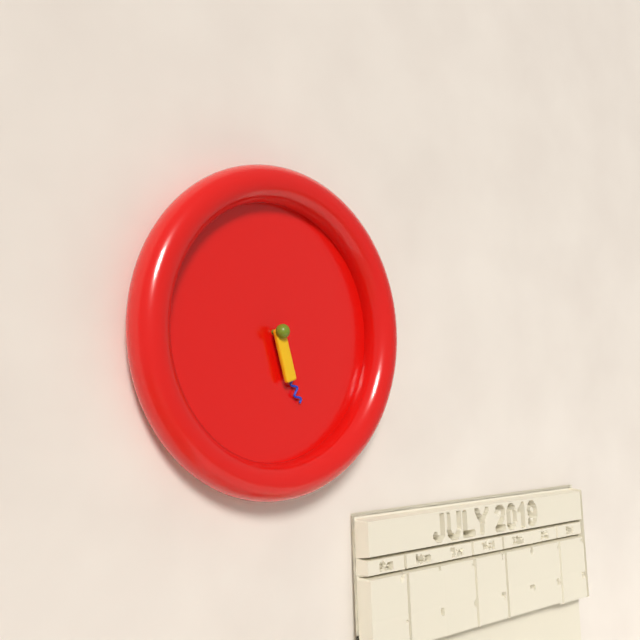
5:26
